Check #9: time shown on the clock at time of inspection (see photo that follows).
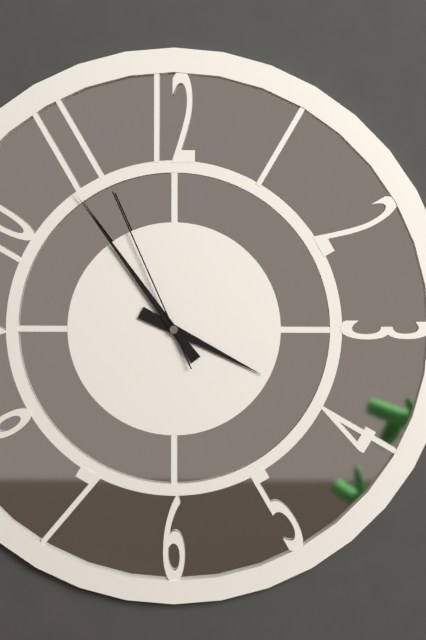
3:54:56
